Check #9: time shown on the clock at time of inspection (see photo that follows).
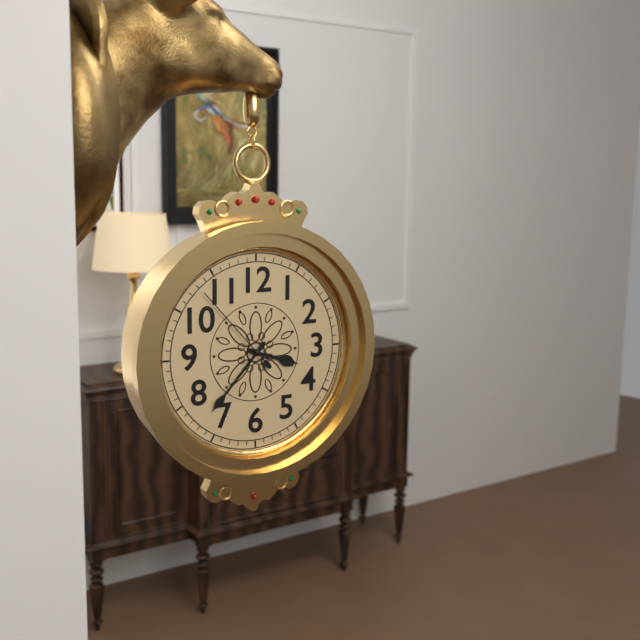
3:37:53
